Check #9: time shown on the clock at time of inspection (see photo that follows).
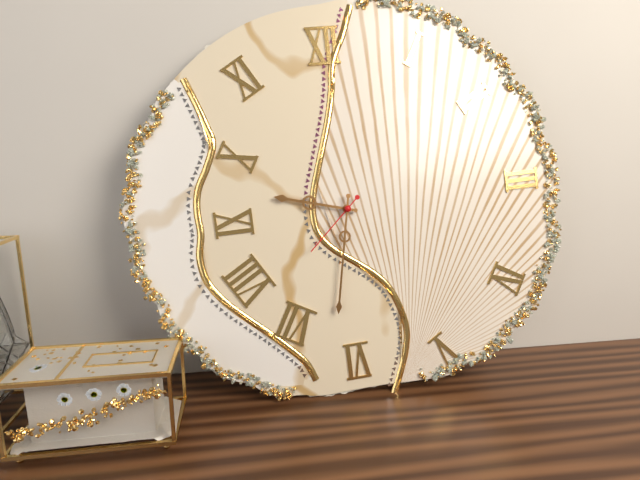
9:32:38
